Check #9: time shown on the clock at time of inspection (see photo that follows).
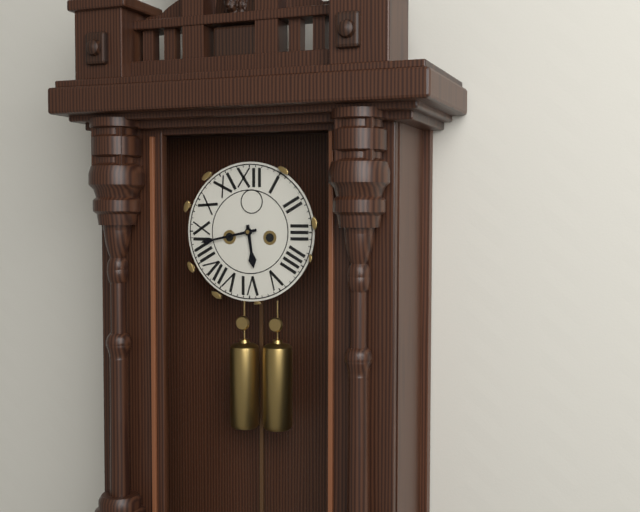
5:43
